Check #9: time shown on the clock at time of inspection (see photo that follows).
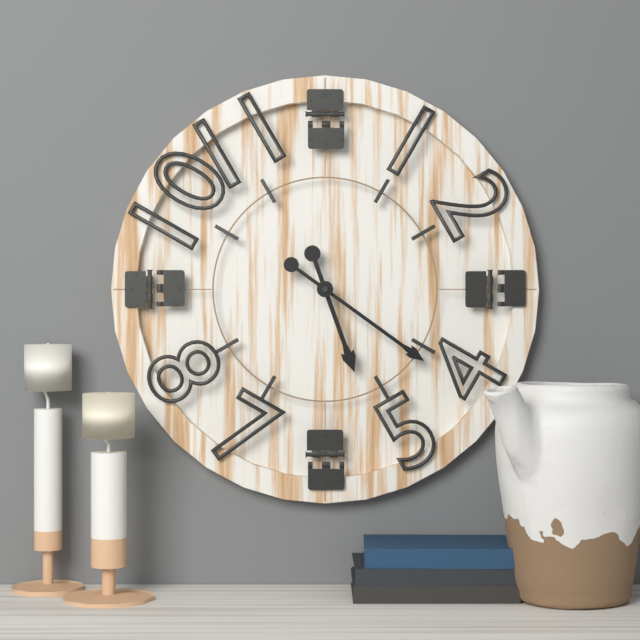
5:21
